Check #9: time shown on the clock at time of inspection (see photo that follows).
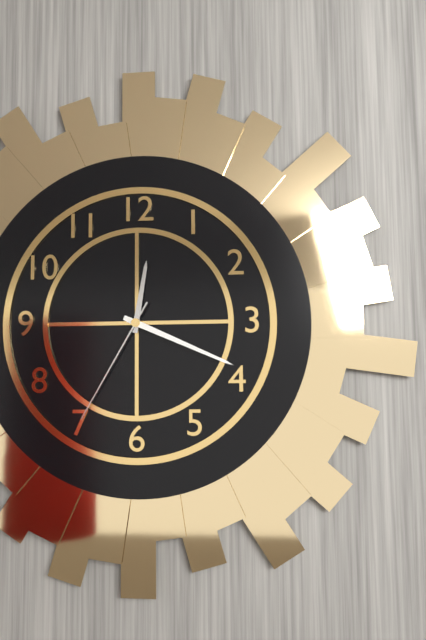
12:19:35
